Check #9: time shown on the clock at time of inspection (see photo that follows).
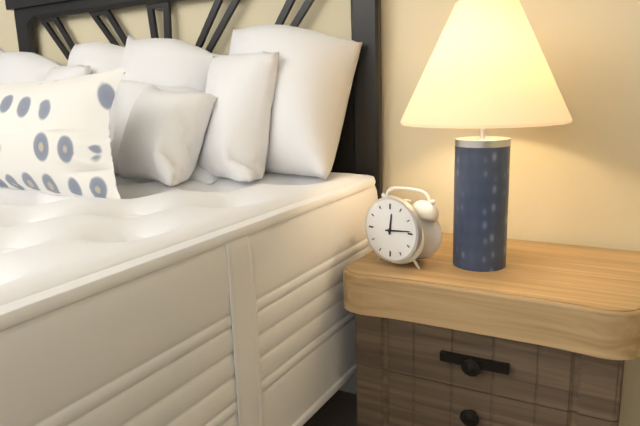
12:14
